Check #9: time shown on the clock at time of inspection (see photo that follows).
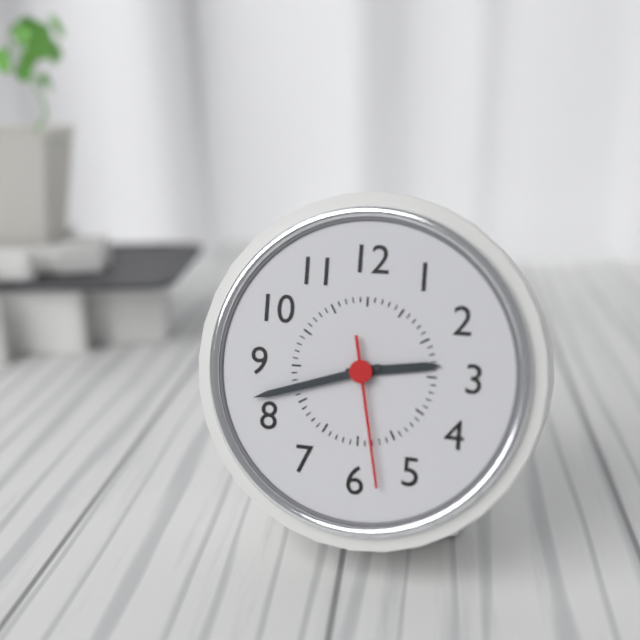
2:42:28
